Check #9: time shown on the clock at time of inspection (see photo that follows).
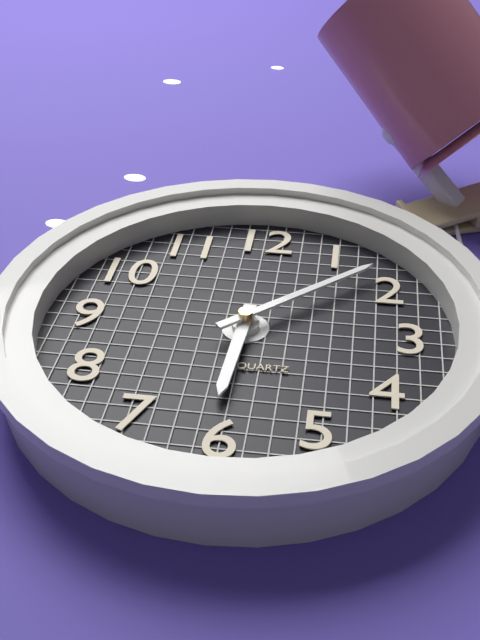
6:08
